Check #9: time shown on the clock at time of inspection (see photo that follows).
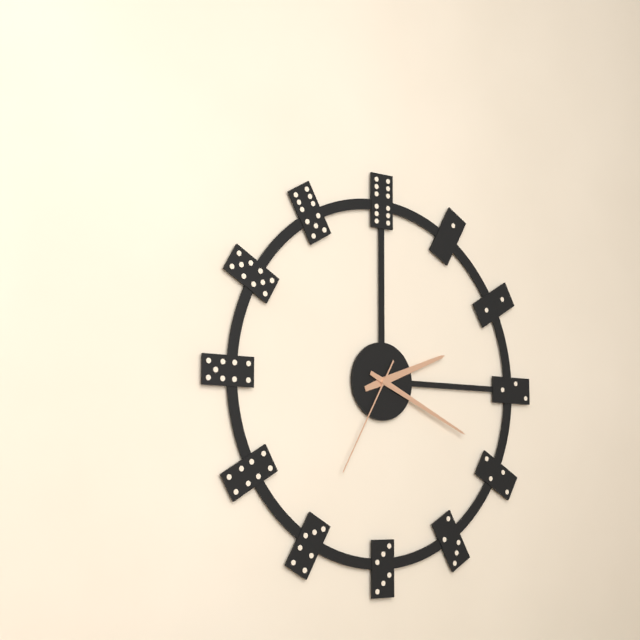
2:19:35
